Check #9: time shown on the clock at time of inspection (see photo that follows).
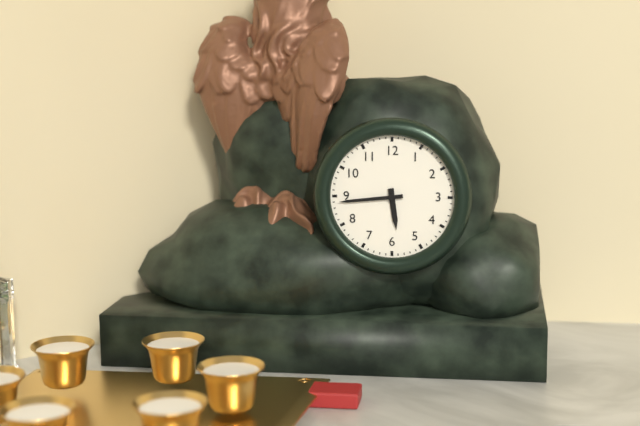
5:44
